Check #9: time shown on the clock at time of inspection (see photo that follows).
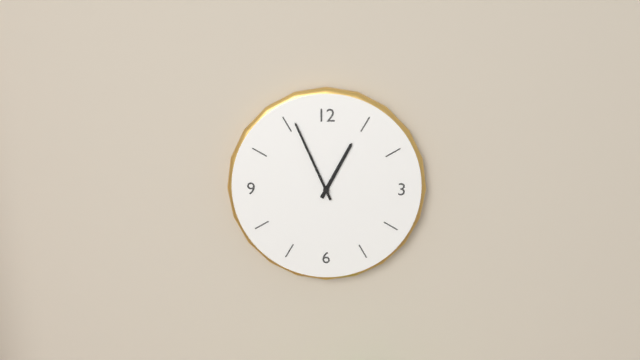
12:56
